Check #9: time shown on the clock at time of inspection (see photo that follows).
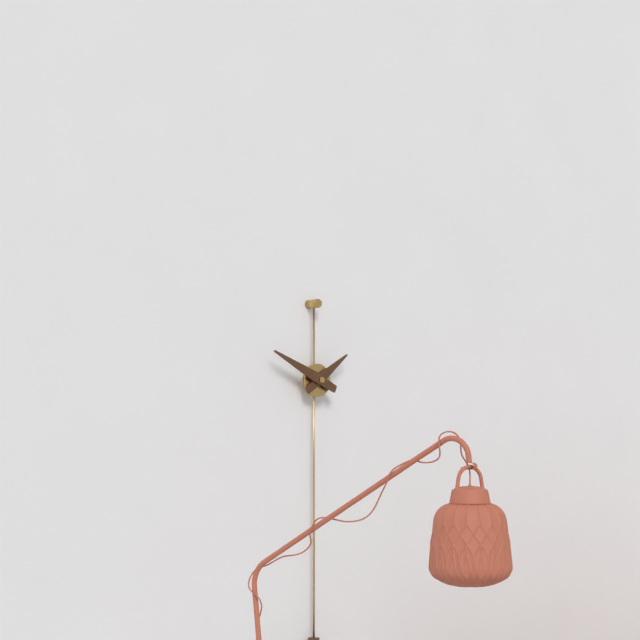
1:49
